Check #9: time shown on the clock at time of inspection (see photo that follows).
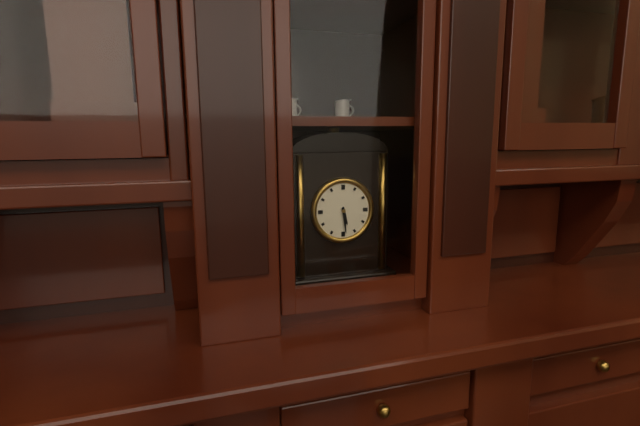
5:29
